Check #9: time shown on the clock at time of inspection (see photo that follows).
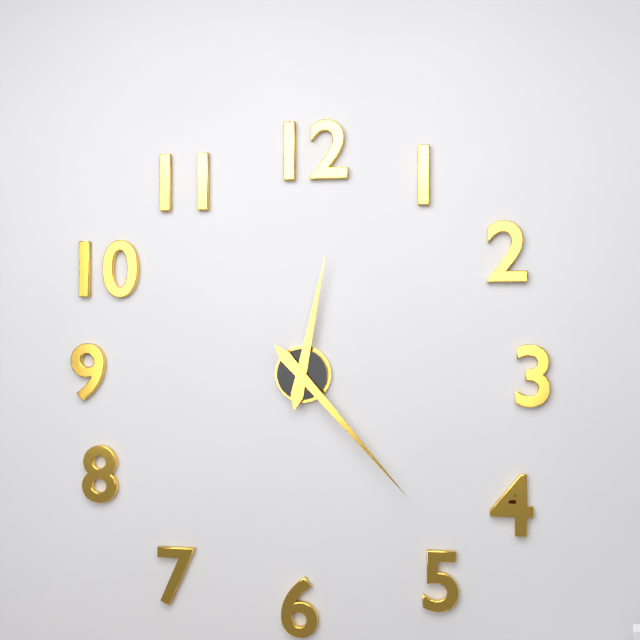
12:23
